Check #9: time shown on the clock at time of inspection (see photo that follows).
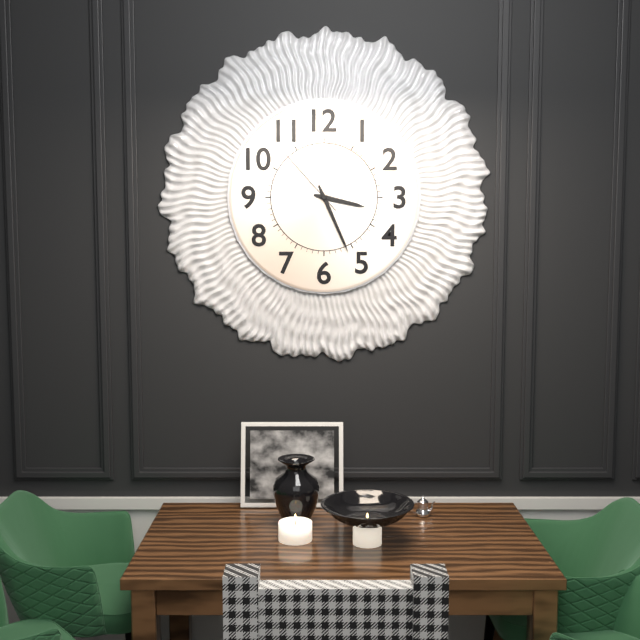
3:26:53
